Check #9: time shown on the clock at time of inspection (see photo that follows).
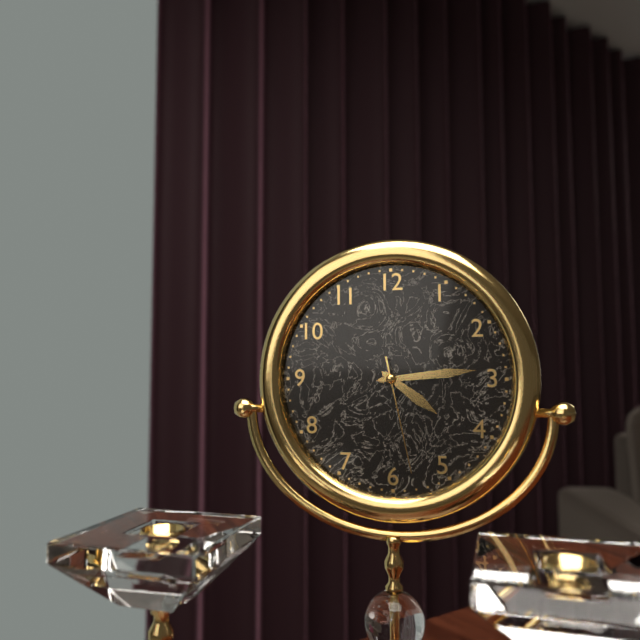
4:14:28
